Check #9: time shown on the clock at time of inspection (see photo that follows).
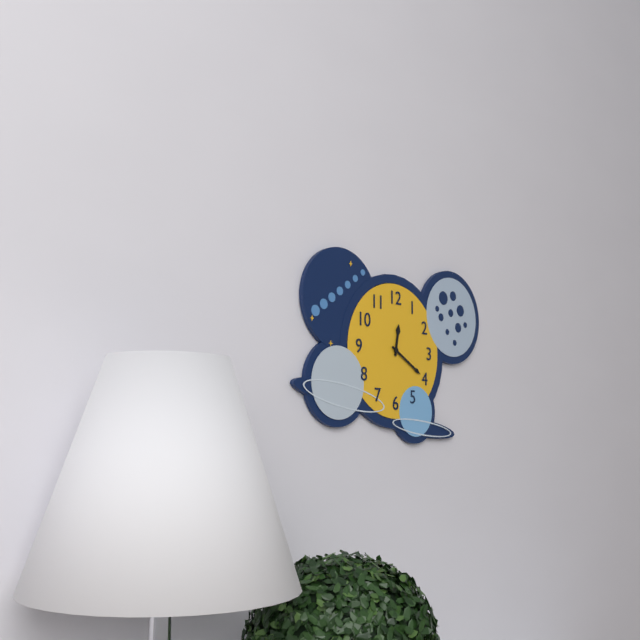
12:20
